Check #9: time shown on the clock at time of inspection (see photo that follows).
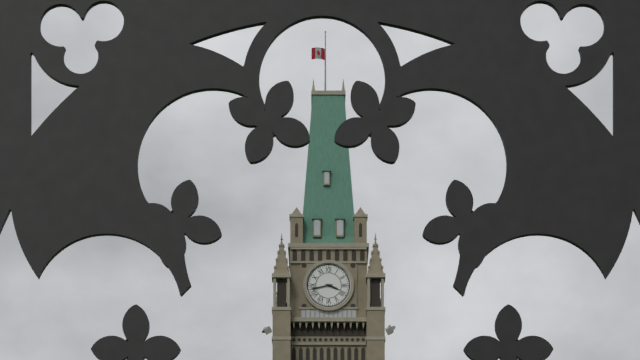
3:43
